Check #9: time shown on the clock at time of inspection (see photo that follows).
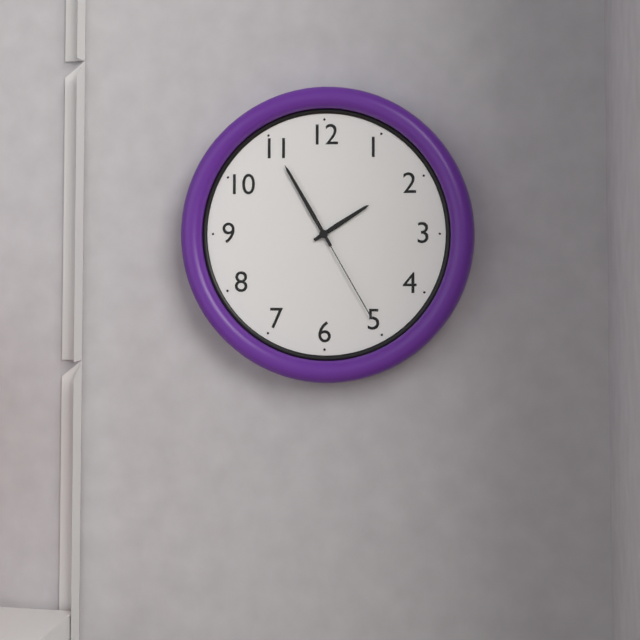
1:55:25
